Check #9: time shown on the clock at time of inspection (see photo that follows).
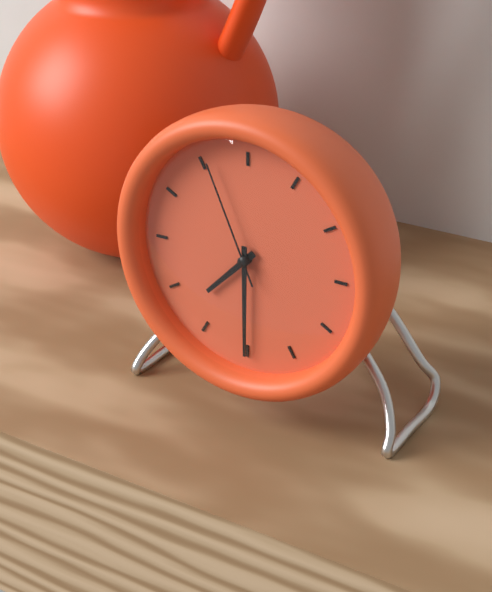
7:30:56
